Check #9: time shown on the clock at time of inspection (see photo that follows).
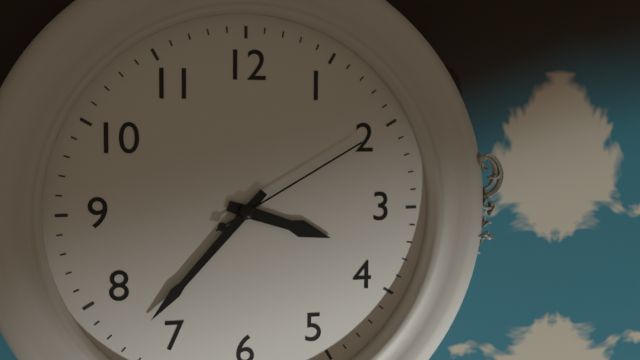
3:37:10
